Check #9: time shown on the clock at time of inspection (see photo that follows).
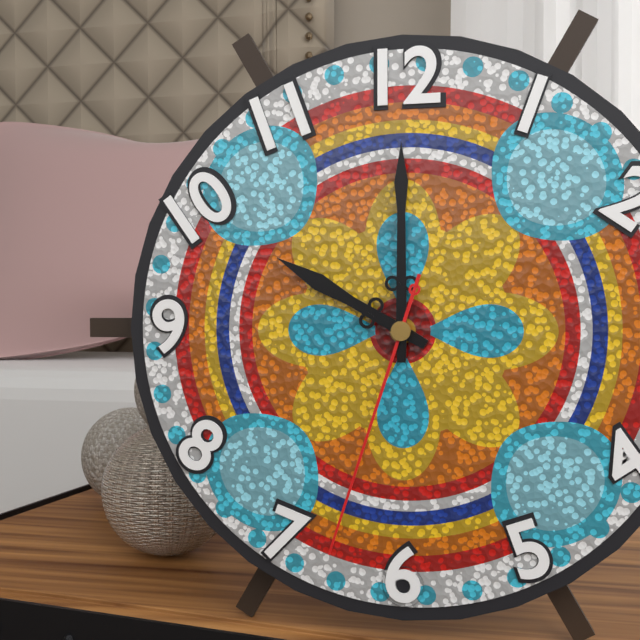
10:00:33
